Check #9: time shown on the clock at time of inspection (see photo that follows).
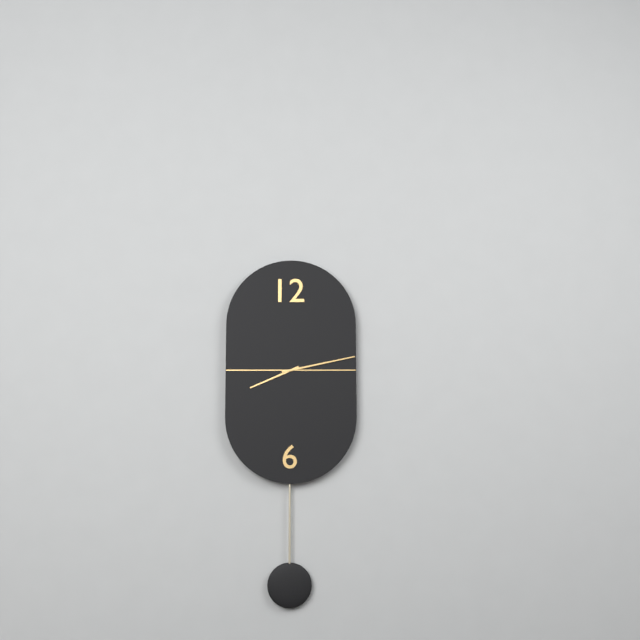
8:13
